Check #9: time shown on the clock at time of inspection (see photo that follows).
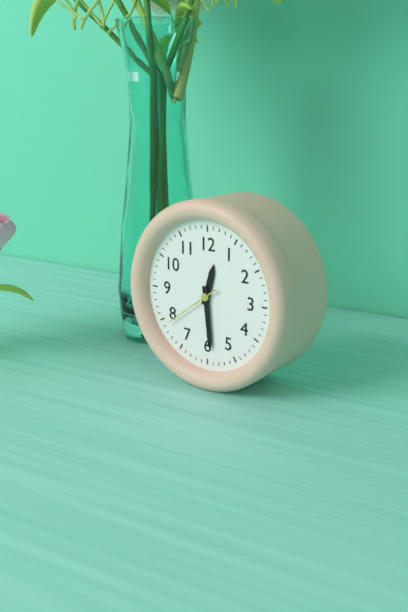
12:29:39
